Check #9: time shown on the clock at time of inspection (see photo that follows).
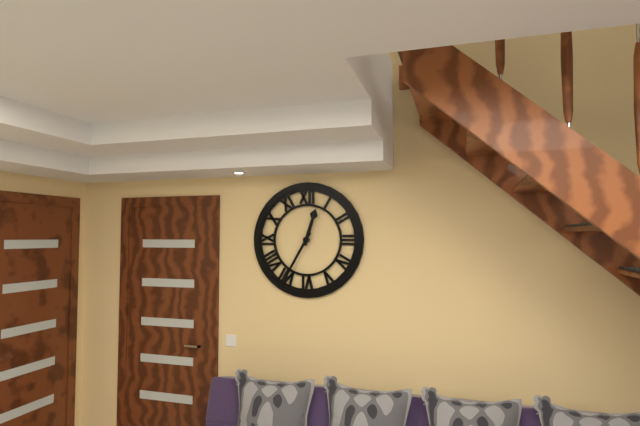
12:35
